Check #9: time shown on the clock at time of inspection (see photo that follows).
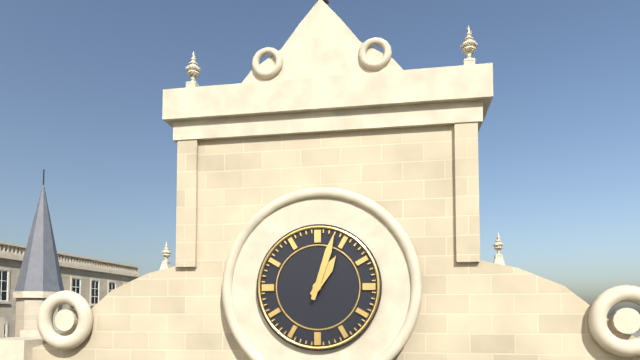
1:03
